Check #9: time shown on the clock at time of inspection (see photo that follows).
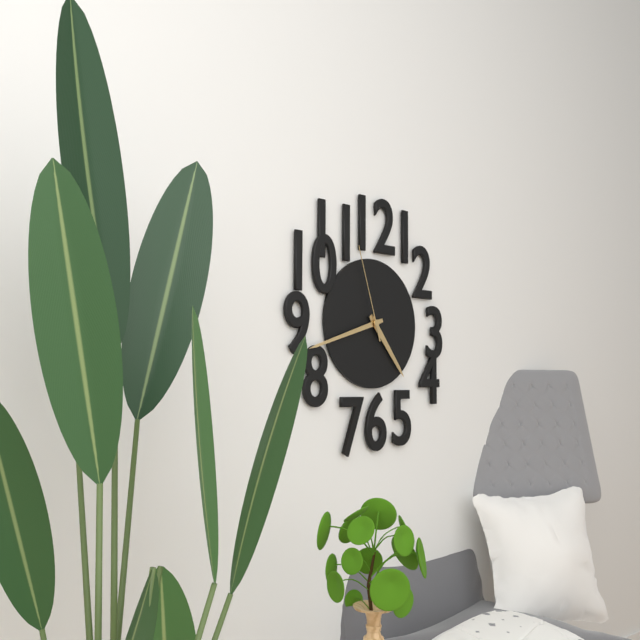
4:42:57
